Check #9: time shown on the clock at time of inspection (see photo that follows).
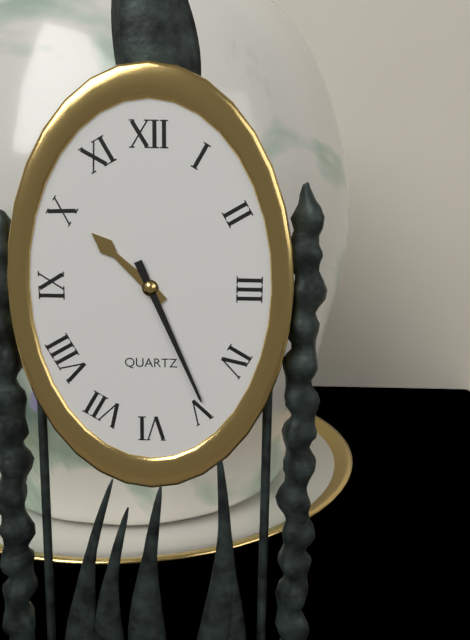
10:26
